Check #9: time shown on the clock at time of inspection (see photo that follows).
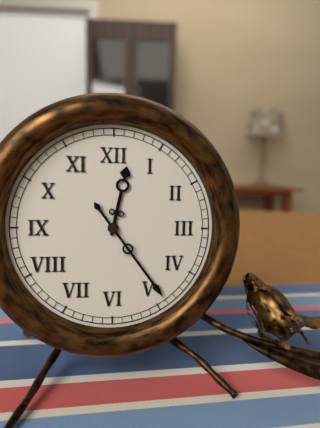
12:24
